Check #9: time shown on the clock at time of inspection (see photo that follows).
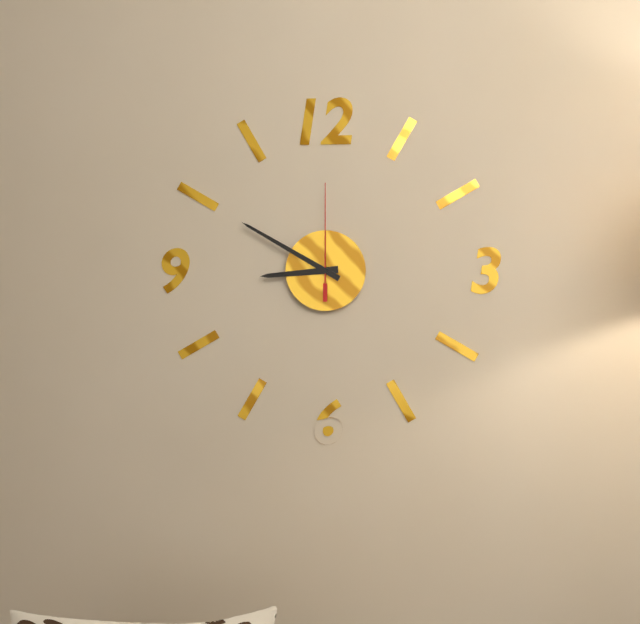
8:50:00
